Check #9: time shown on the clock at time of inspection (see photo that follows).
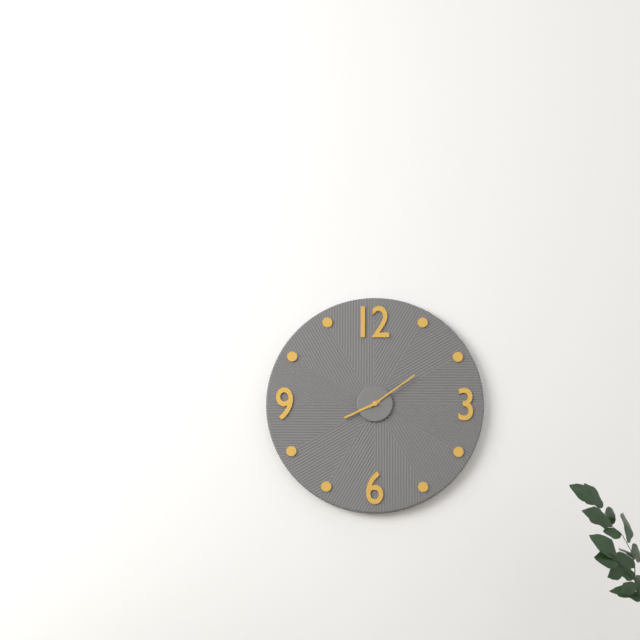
8:09
